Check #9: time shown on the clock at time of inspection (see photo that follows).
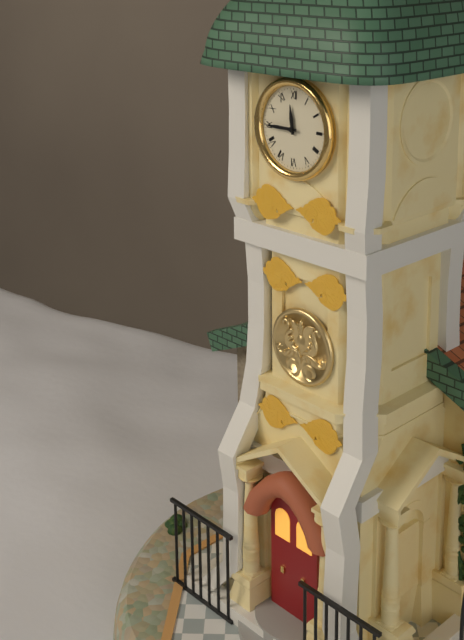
11:45
